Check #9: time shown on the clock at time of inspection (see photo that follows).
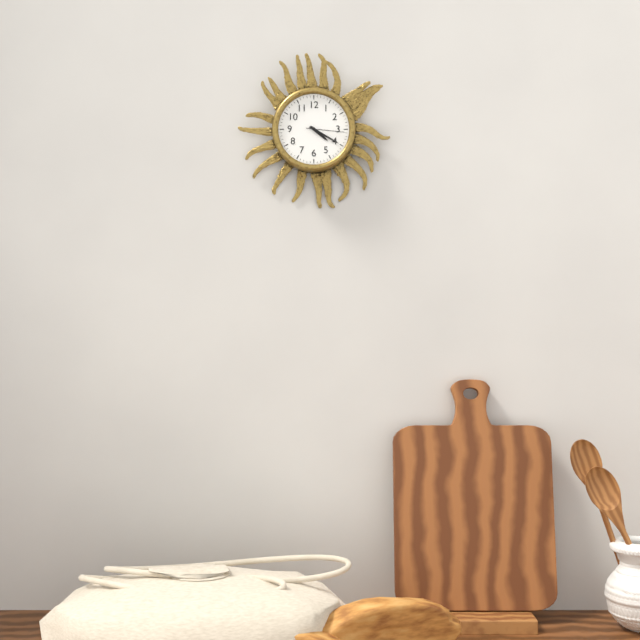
4:20
